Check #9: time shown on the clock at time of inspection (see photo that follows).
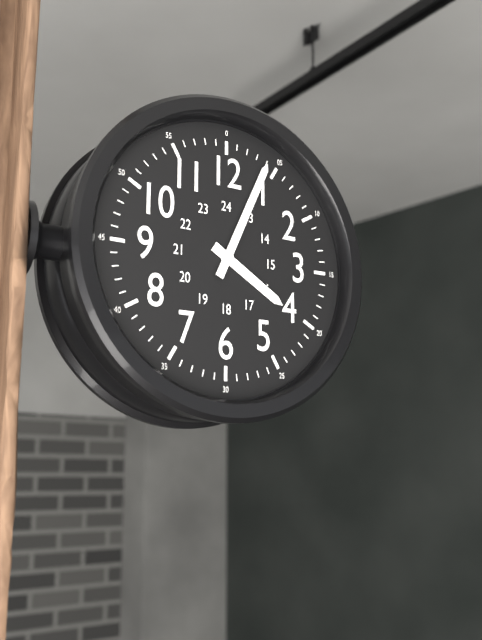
4:04
